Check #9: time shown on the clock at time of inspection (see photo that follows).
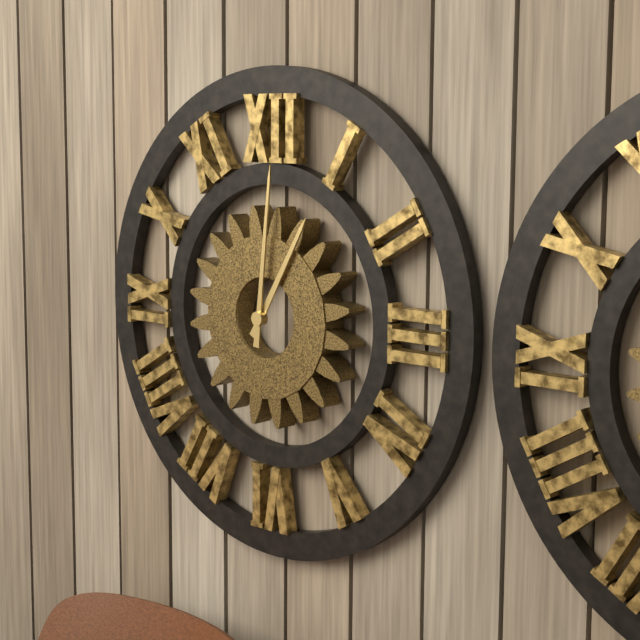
1:01
